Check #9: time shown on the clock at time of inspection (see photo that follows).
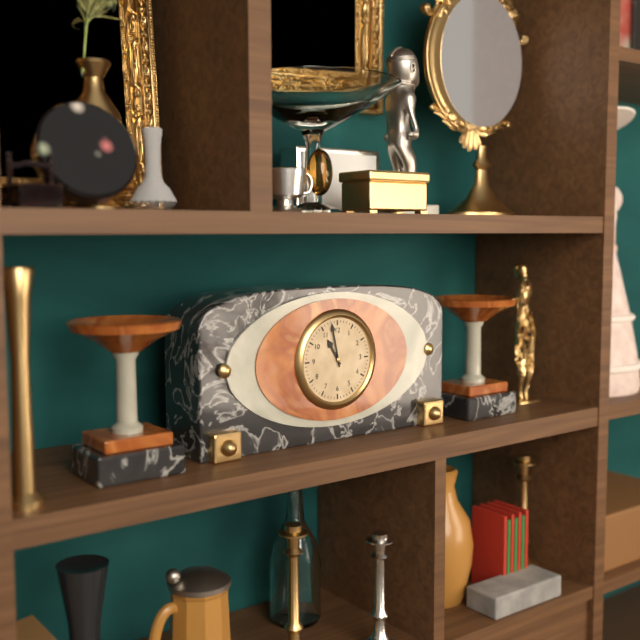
10:58
